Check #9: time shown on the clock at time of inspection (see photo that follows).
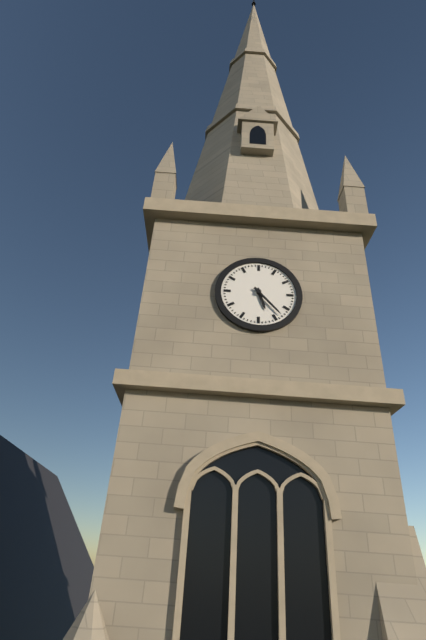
5:23
